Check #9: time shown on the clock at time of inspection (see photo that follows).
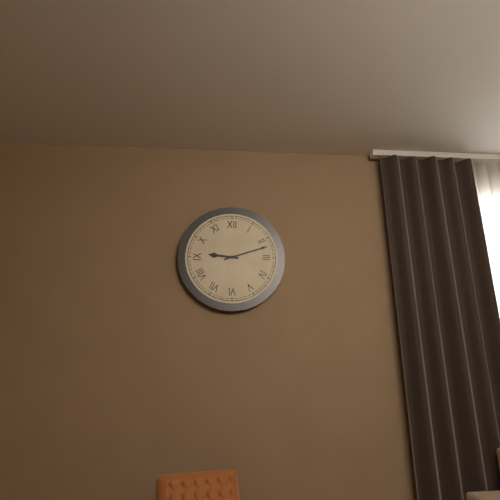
9:12
